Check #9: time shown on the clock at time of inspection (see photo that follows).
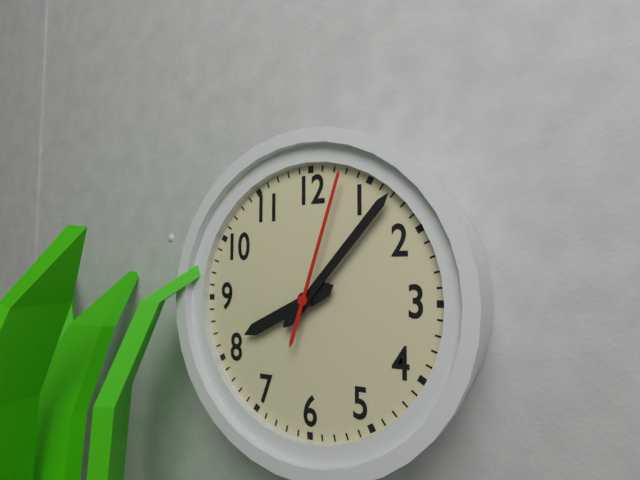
8:07:03
